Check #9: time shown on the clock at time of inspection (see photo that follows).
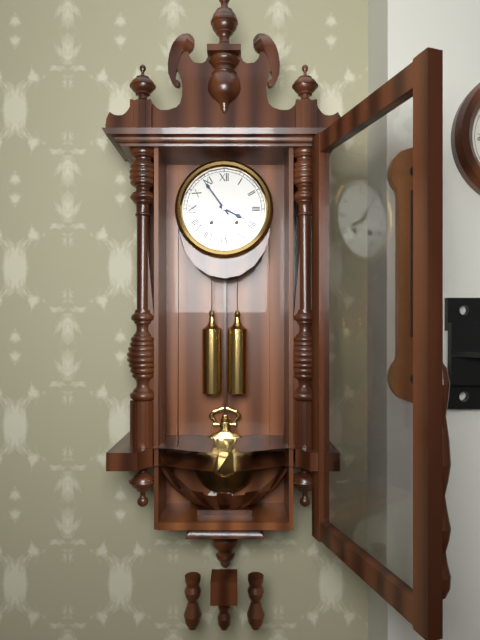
3:54
